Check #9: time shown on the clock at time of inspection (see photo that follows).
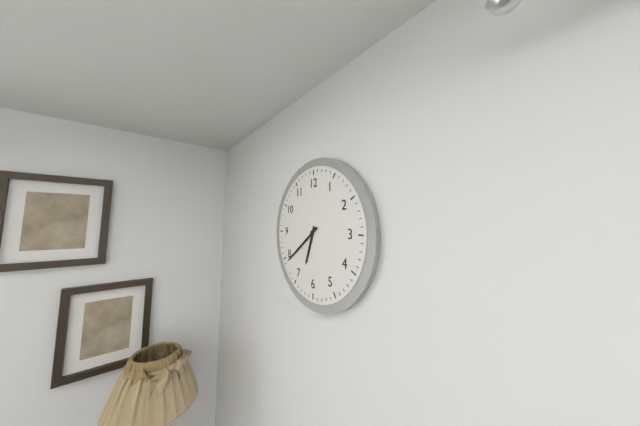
6:39
